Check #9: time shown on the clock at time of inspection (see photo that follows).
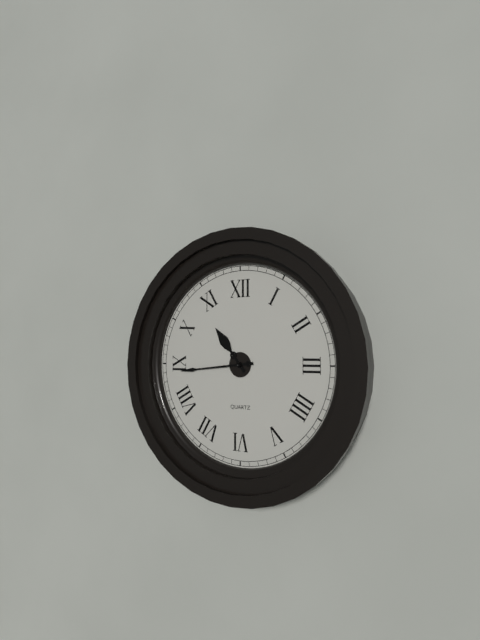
10:44
